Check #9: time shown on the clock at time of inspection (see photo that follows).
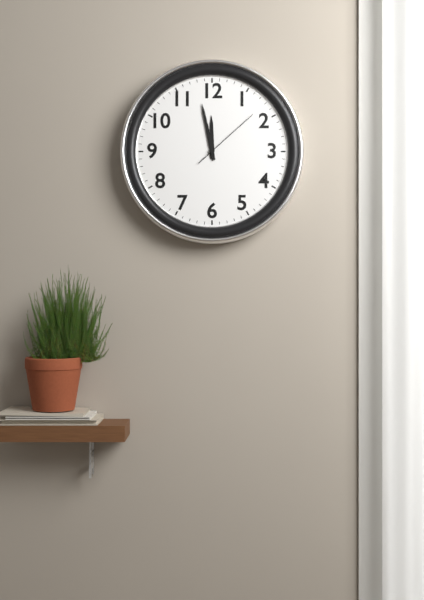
11:58:08
